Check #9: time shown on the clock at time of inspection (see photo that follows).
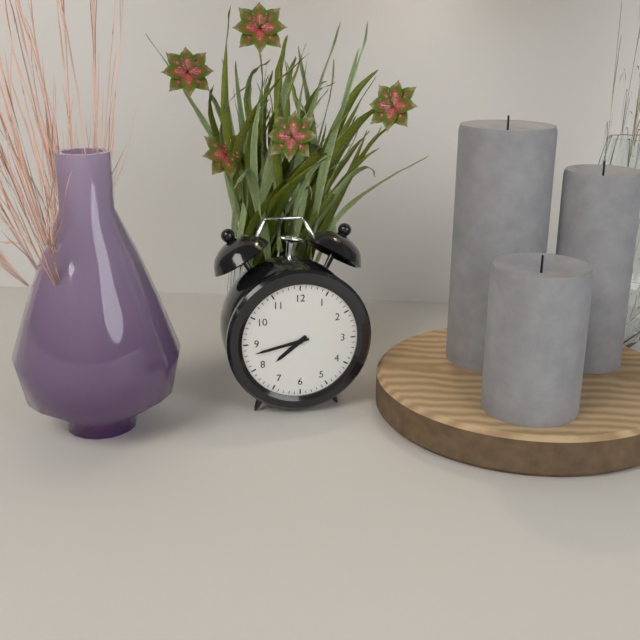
7:43
